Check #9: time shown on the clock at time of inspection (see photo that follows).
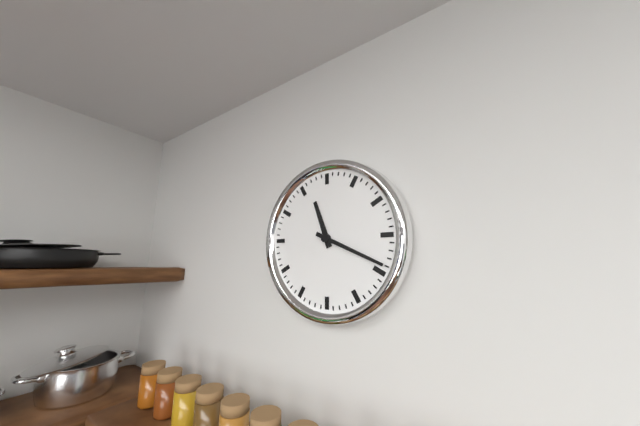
11:19
